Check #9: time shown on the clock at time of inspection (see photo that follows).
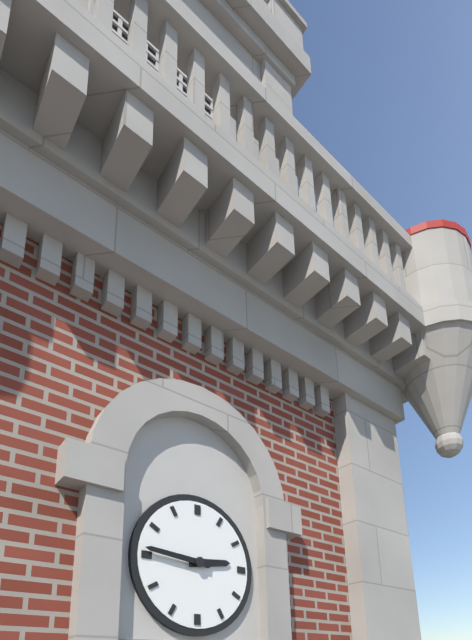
2:46
